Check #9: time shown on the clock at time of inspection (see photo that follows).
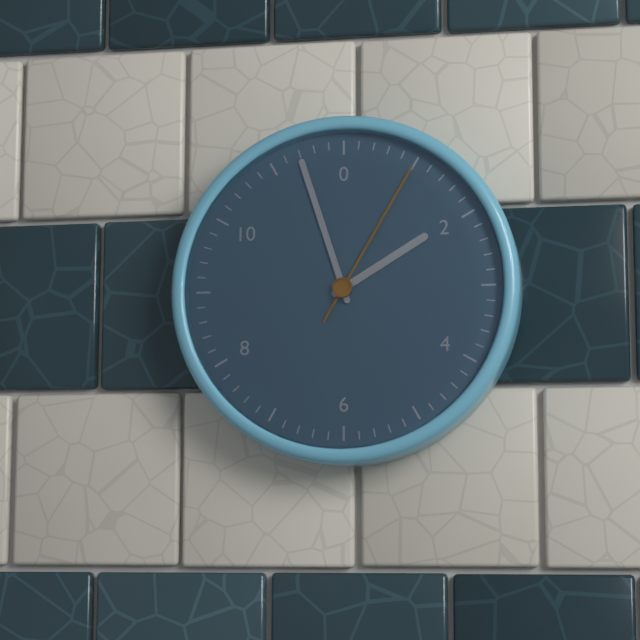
1:57:05
